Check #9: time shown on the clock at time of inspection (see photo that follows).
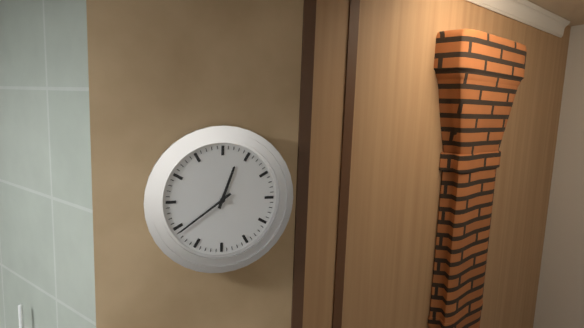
12:39
